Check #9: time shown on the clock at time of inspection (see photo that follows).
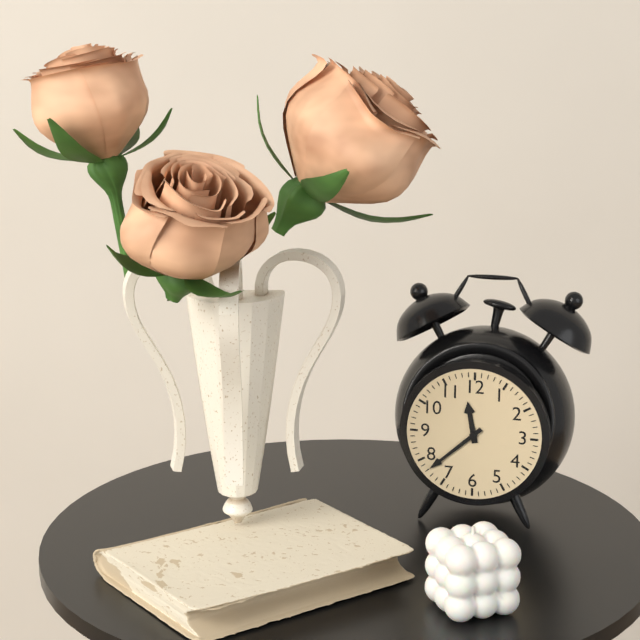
11:38
